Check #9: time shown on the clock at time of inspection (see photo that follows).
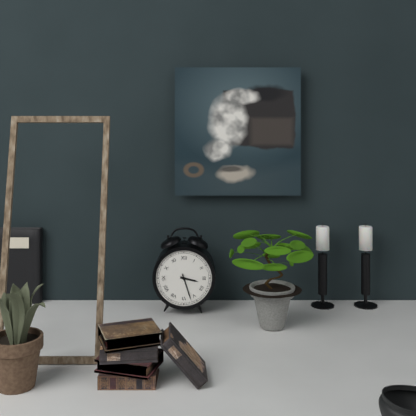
3:27
